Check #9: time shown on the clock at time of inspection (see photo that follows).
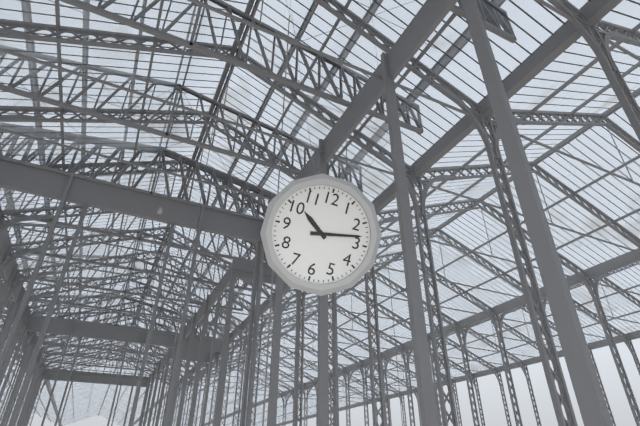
10:13
